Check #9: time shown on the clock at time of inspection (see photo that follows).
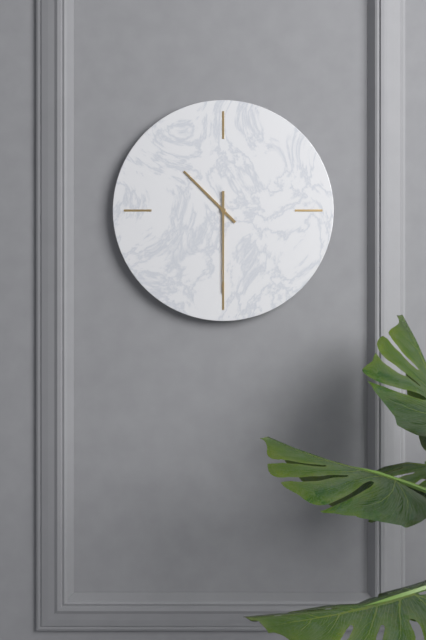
10:30
